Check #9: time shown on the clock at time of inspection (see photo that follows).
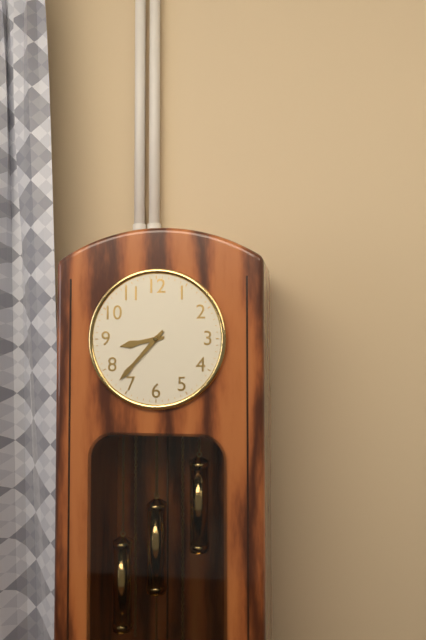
8:37
